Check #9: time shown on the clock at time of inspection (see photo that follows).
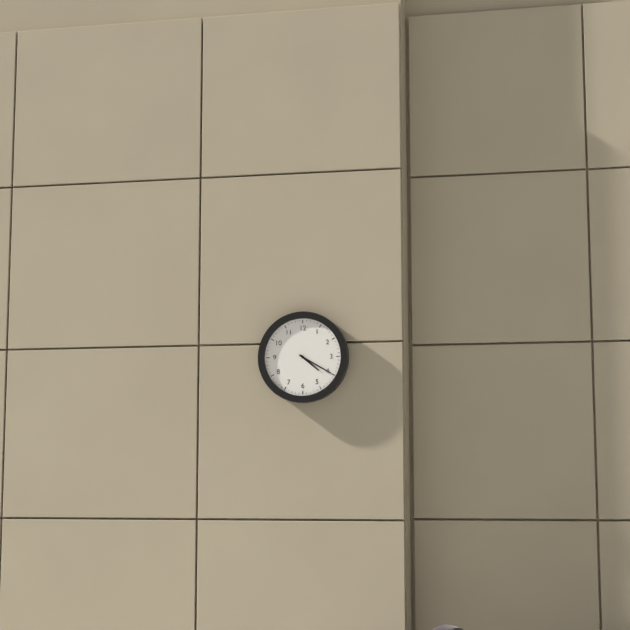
4:20
